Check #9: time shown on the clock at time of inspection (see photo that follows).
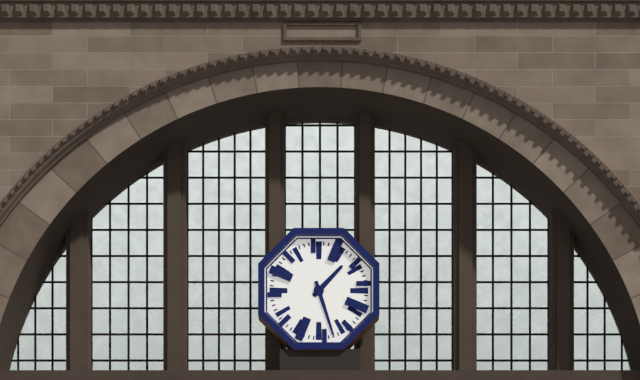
1:27
